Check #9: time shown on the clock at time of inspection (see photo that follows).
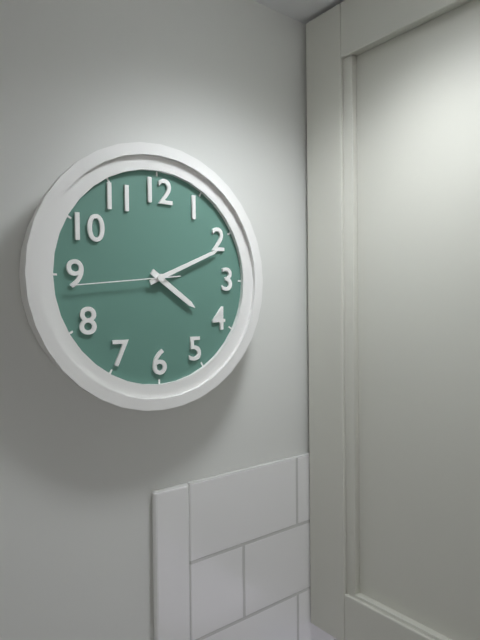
4:11:44
